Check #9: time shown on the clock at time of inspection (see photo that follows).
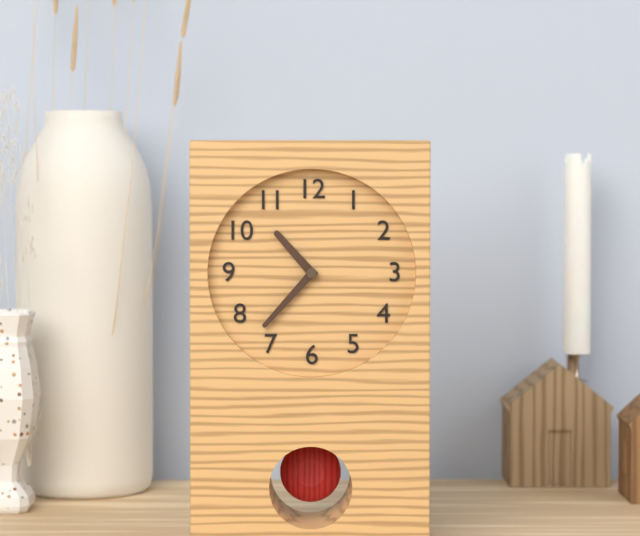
10:37
